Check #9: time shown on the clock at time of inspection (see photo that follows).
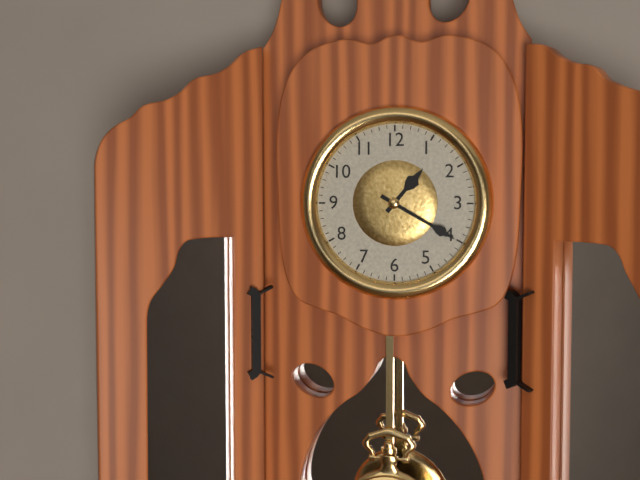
1:20
